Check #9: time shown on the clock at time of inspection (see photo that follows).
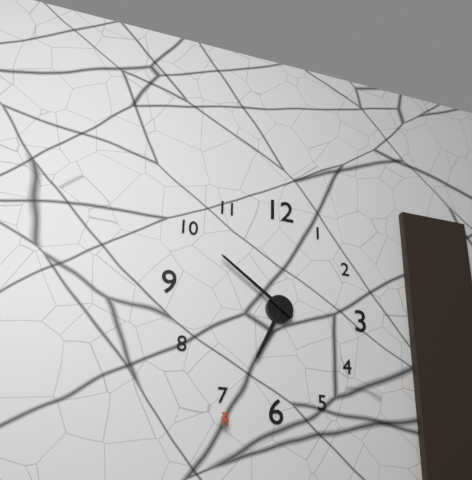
6:51
